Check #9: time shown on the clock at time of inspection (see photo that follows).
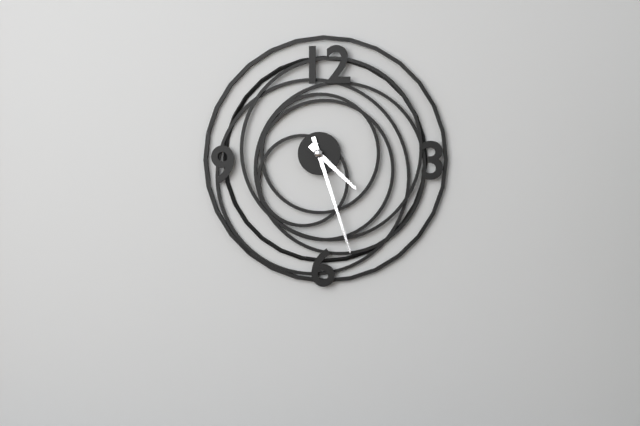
4:27
